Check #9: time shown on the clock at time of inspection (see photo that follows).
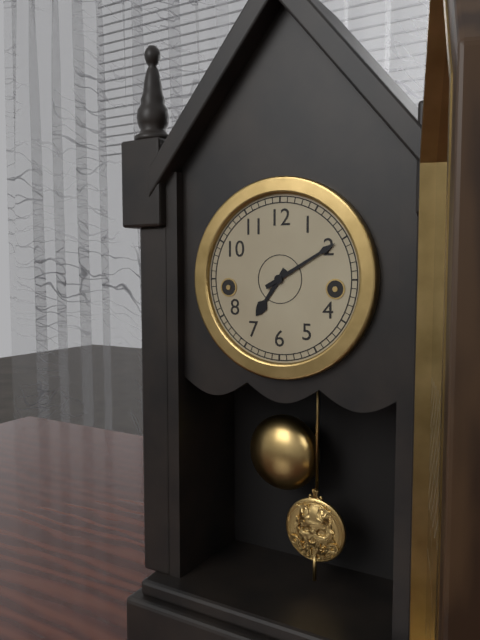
7:10
